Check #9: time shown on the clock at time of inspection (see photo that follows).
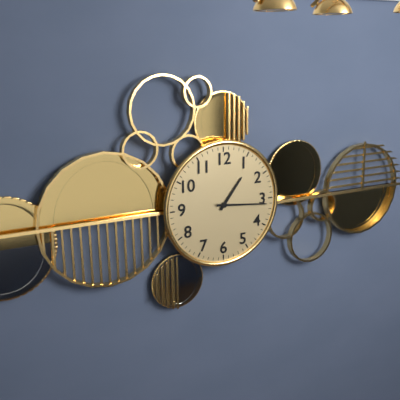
1:16
